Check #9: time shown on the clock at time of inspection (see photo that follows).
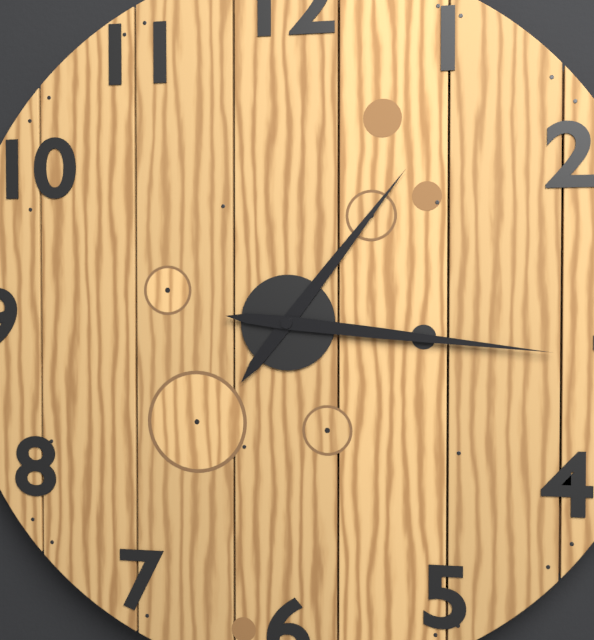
1:16
